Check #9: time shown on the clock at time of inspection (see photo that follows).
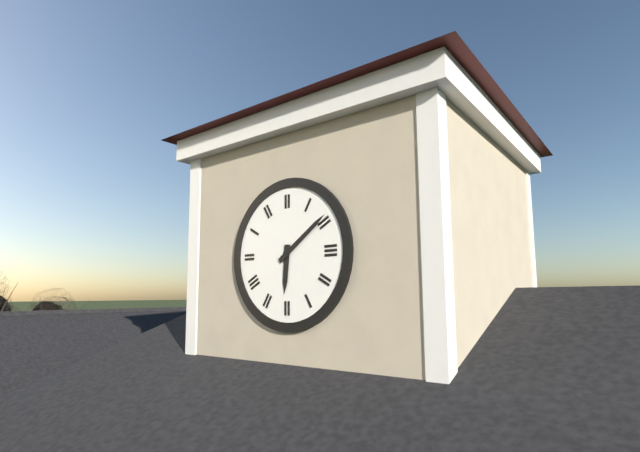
6:09
